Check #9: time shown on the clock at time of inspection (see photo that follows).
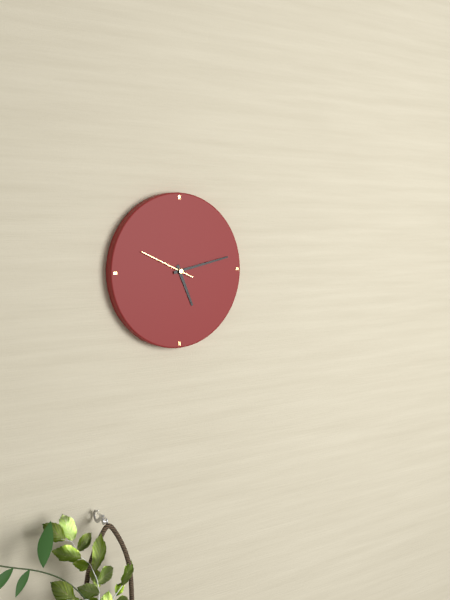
5:13:49
